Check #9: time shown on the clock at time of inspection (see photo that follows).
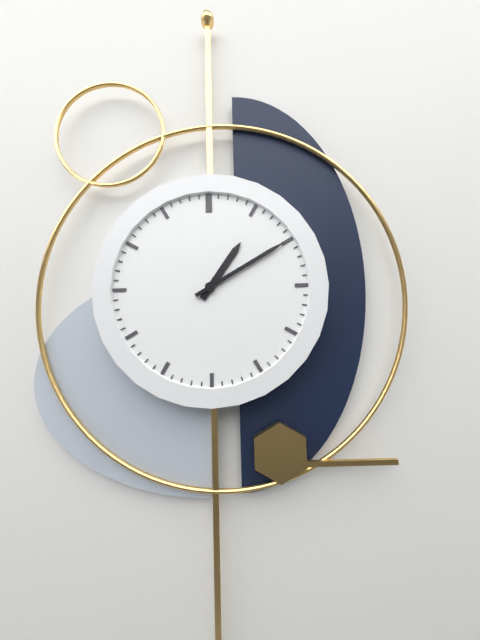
1:10
